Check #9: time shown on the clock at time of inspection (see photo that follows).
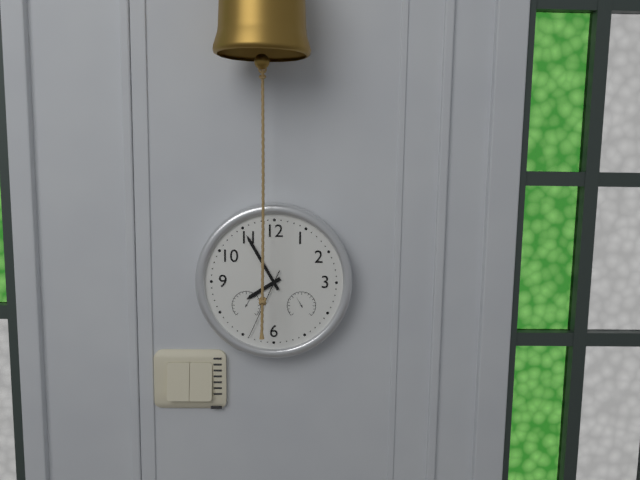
7:55:34
